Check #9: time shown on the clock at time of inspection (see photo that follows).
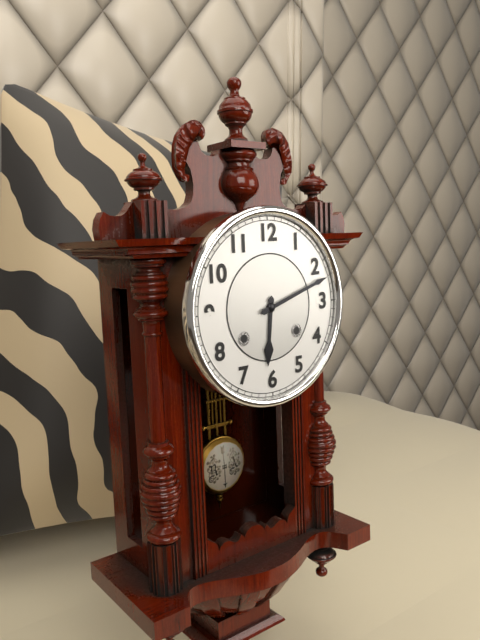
6:12
